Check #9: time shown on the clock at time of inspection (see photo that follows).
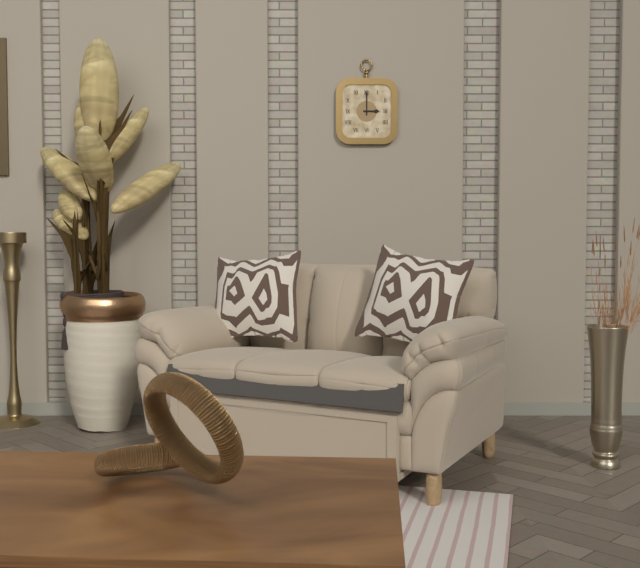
3:00
